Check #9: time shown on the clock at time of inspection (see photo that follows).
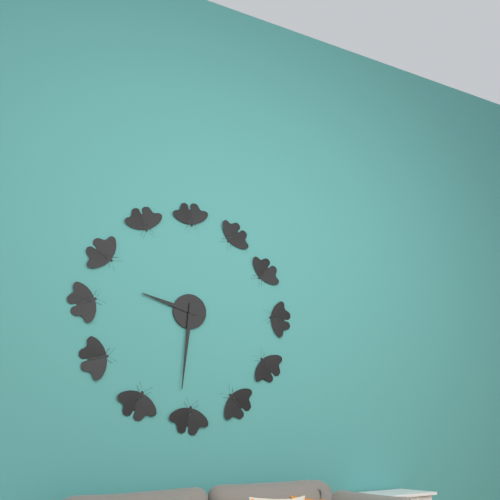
9:31
